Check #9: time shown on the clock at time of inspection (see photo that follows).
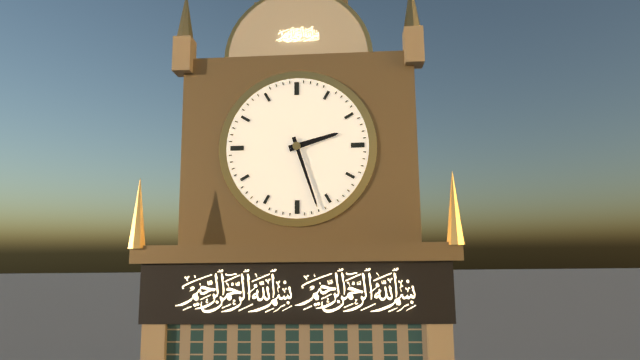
2:27
